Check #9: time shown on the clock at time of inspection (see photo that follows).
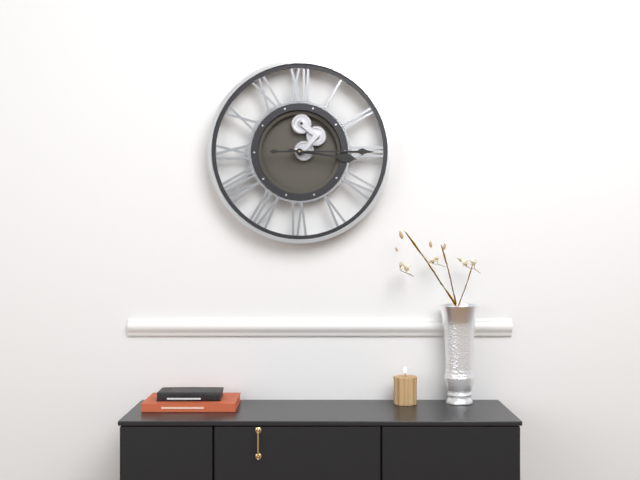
3:15
